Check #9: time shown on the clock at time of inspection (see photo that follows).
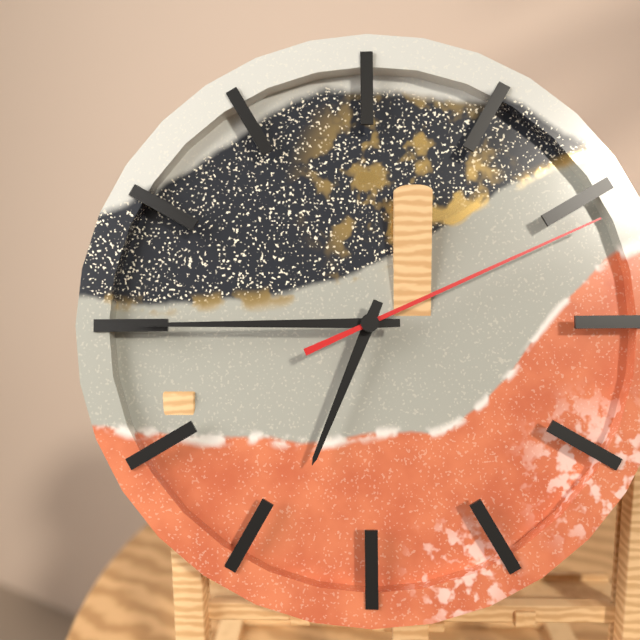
6:45:11
